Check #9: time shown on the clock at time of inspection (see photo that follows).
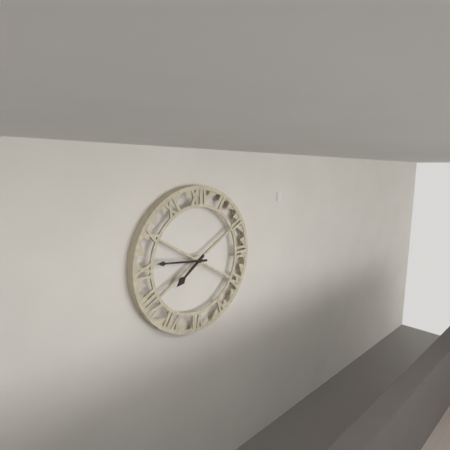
7:46
